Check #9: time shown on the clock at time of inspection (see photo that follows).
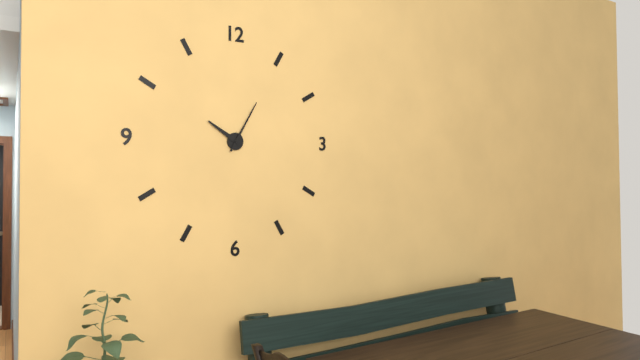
10:05
